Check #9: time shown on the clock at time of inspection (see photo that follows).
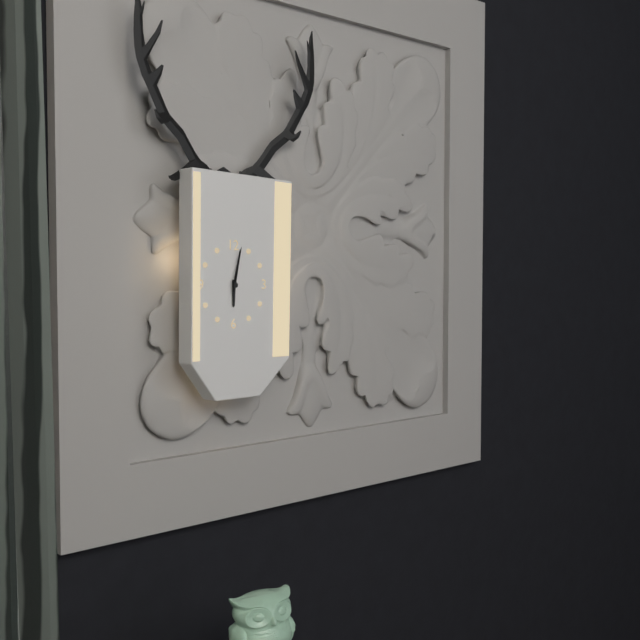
6:02
